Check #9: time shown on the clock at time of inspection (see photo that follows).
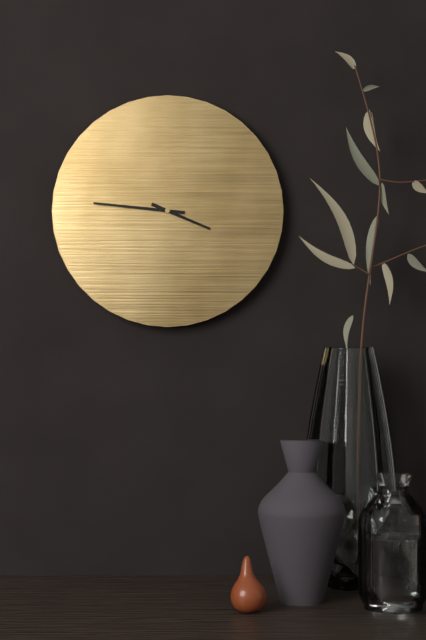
3:46
